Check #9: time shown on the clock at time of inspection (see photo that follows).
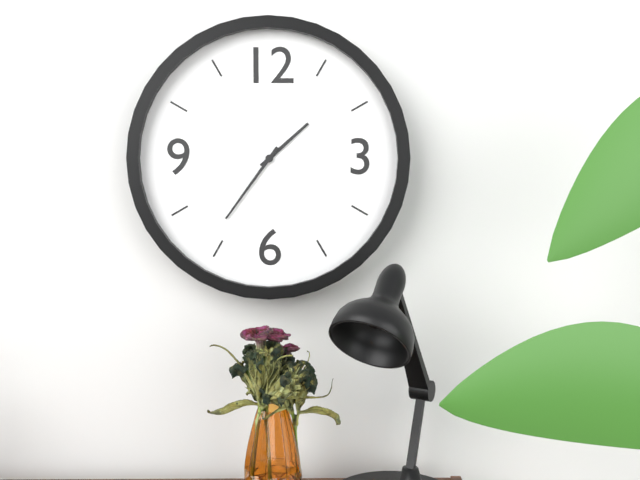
1:36
